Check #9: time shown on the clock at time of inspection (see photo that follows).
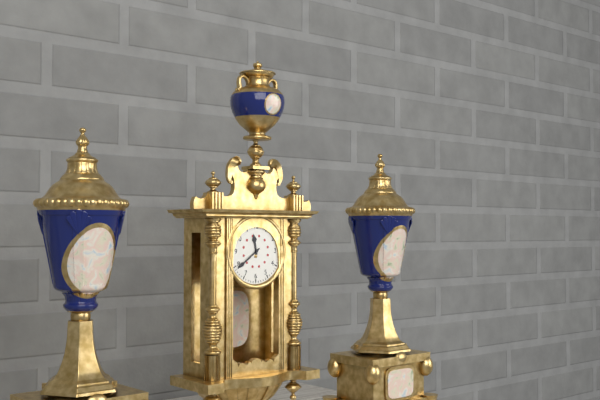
11:39
